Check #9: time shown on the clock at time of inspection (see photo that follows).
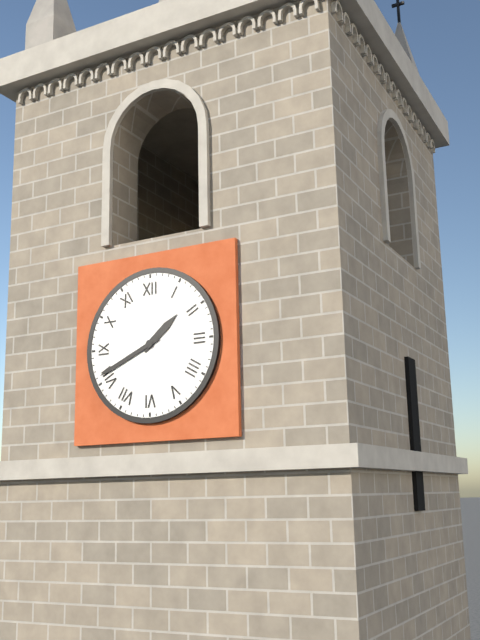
1:41
